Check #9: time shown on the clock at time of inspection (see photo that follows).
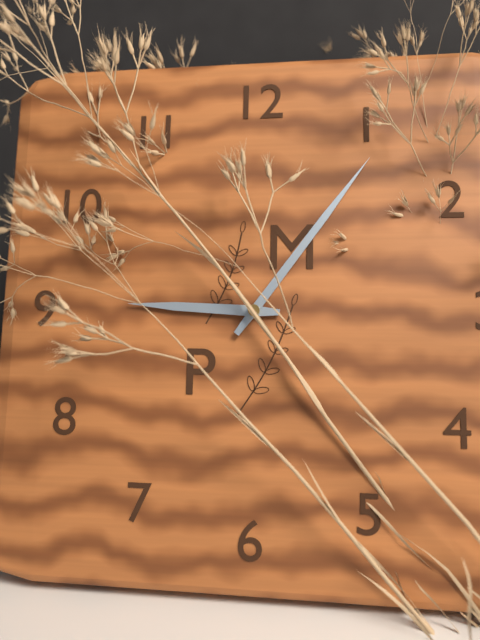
9:06
